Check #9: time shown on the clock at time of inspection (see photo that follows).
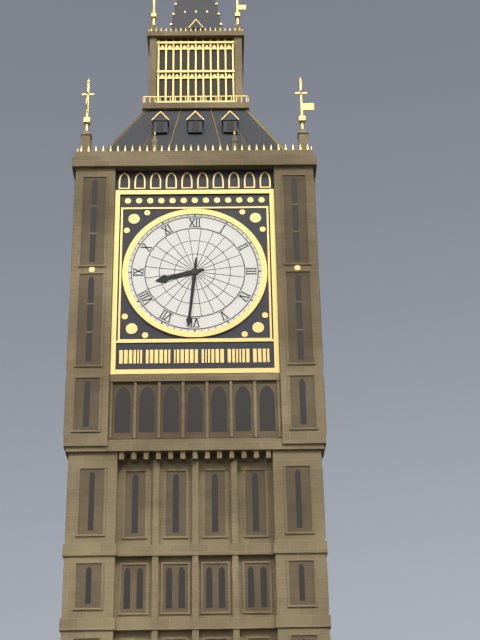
8:31
